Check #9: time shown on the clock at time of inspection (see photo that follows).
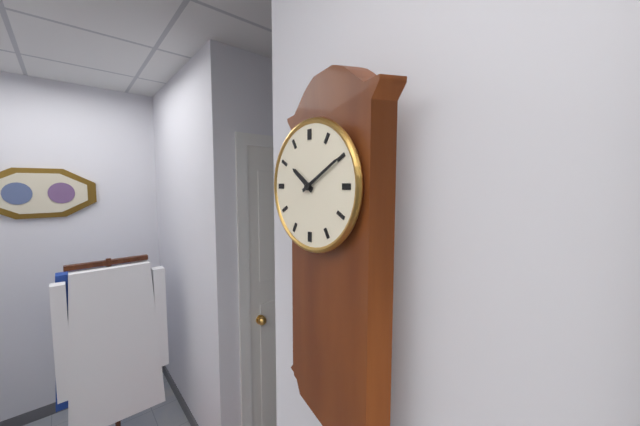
10:10
